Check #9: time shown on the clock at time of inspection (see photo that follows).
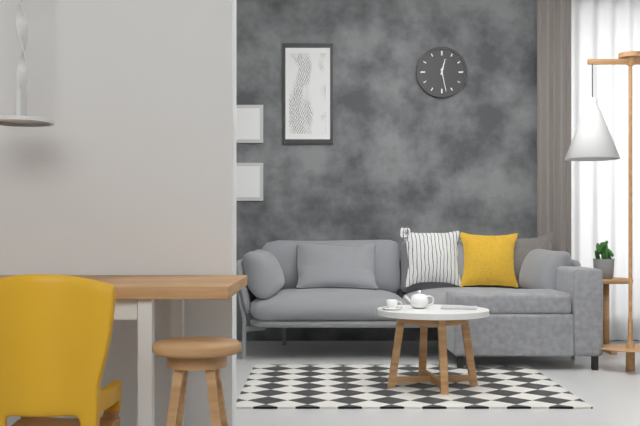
12:28
